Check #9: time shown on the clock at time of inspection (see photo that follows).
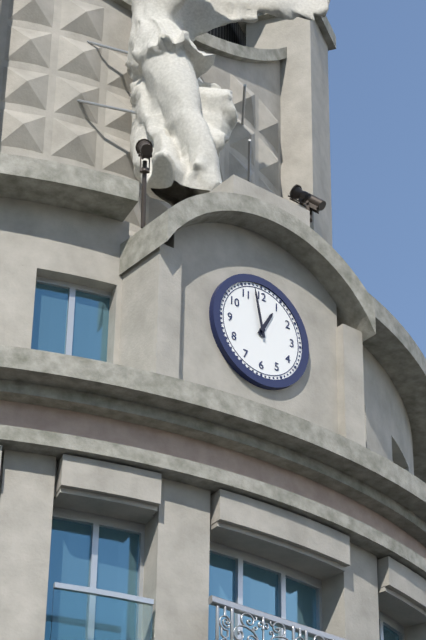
12:58
